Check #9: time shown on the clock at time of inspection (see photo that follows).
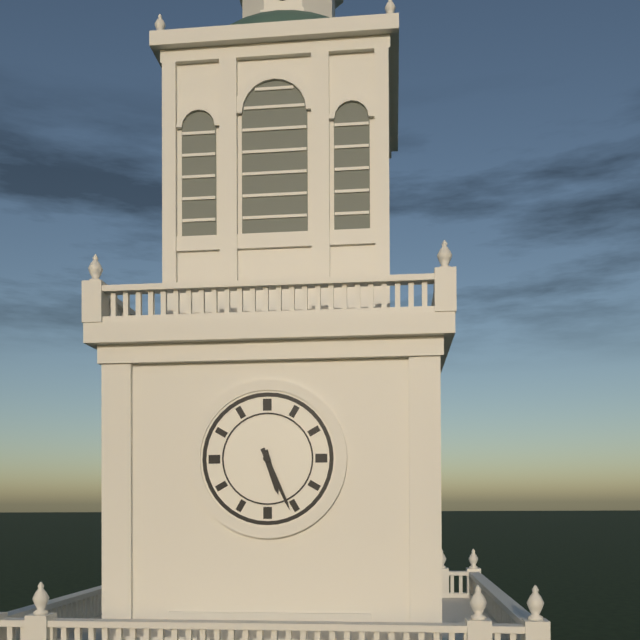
5:26
